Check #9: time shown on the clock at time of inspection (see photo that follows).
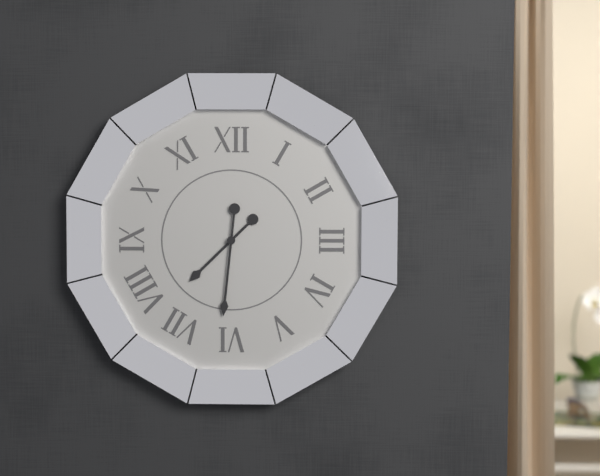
7:31
